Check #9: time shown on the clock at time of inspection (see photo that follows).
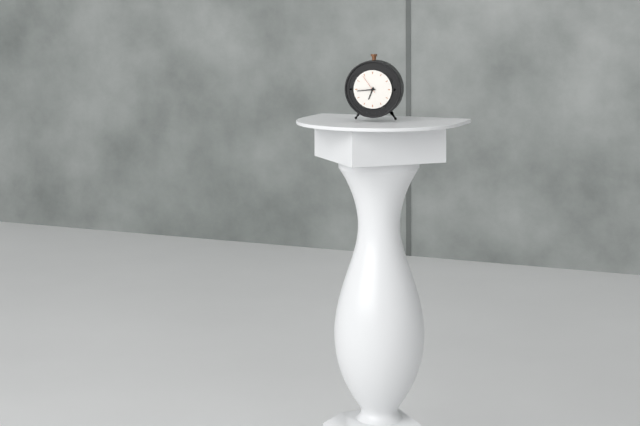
6:44
